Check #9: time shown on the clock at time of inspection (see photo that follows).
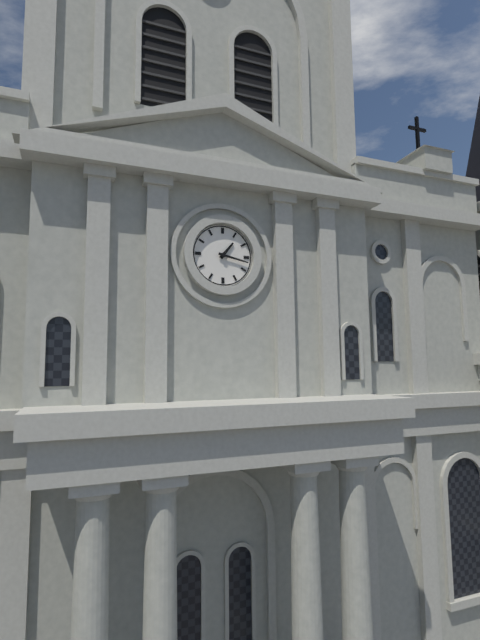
1:17
